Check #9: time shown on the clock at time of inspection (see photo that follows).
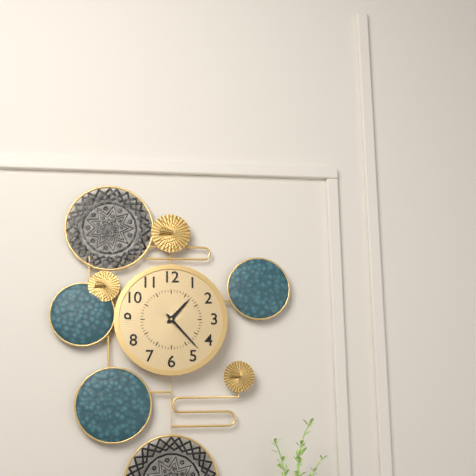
1:23
